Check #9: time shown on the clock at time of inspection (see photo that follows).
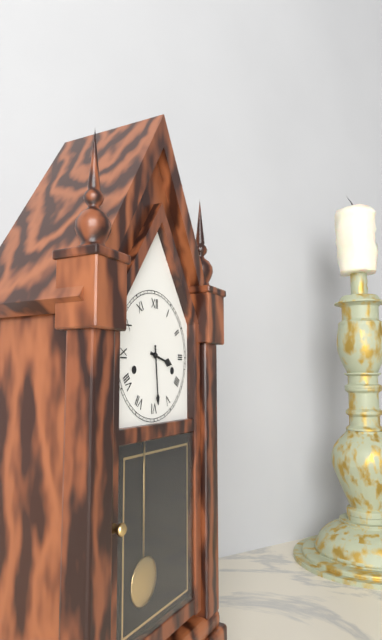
3:29
